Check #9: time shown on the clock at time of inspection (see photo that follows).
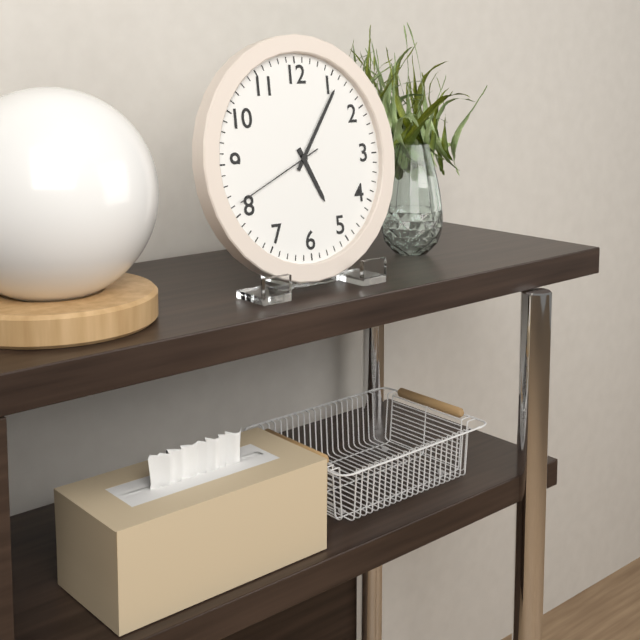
5:06:41
